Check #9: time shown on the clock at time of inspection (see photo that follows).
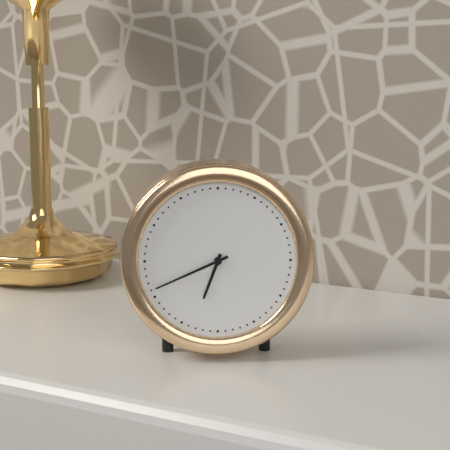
6:41
